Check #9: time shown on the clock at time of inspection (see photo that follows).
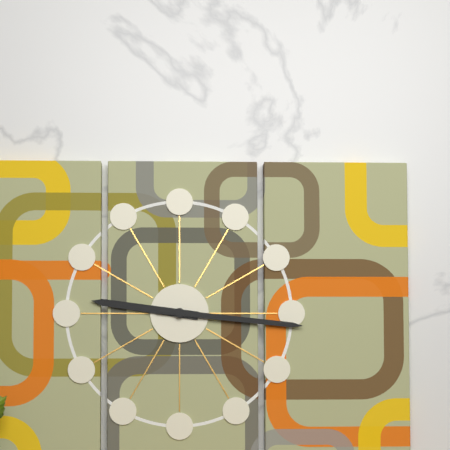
9:16
